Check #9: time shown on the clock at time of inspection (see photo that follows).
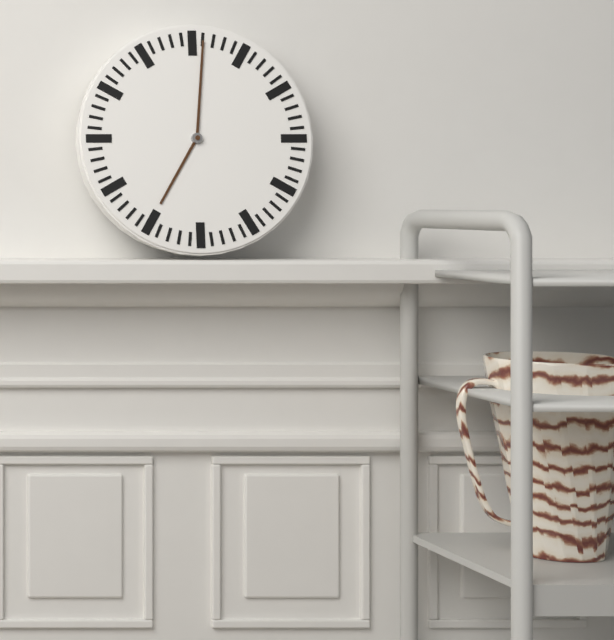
7:01
